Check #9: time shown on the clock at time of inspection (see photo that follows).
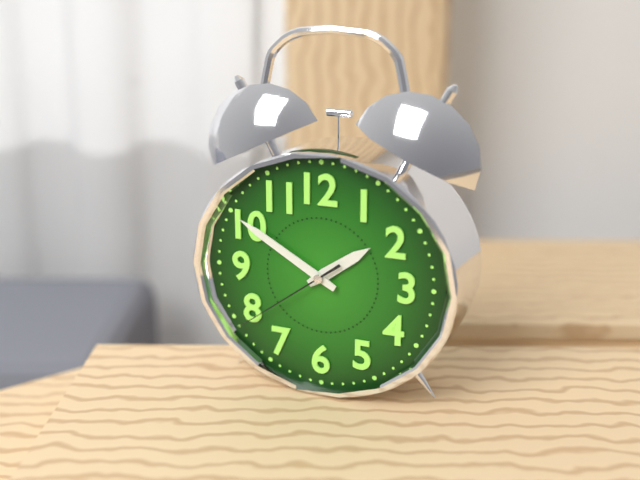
1:50:39
